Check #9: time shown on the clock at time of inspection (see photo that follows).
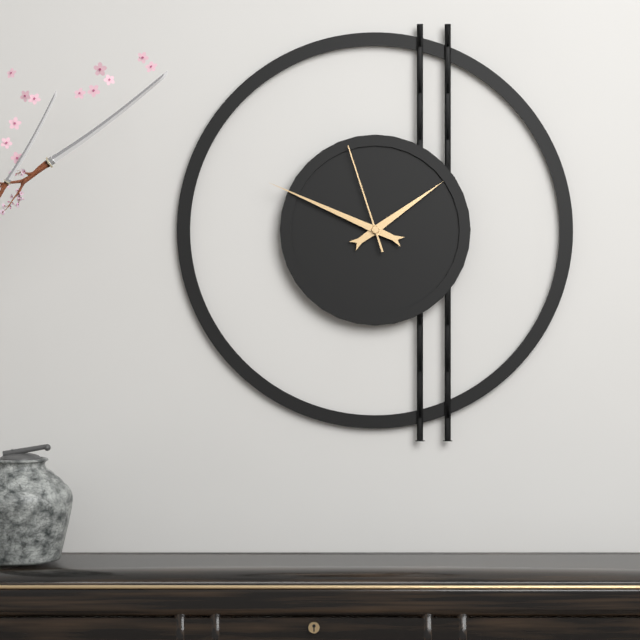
1:49:57
